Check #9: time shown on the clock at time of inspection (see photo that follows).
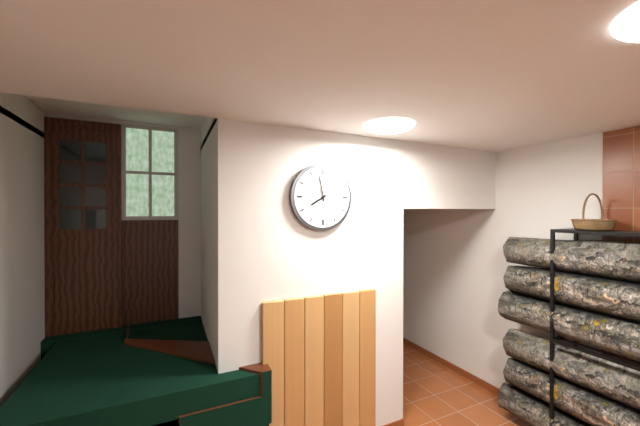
7:58
